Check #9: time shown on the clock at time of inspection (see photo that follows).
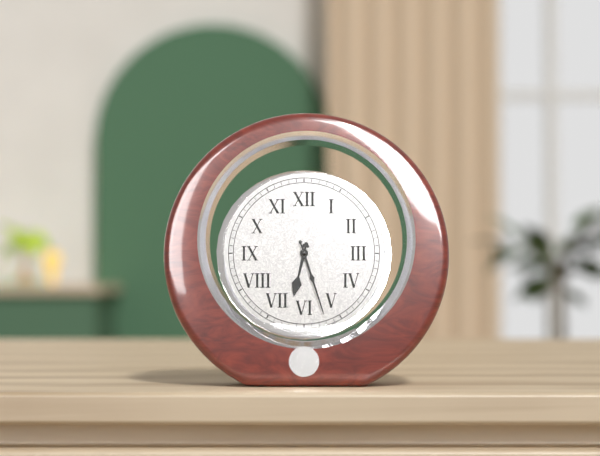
6:27
